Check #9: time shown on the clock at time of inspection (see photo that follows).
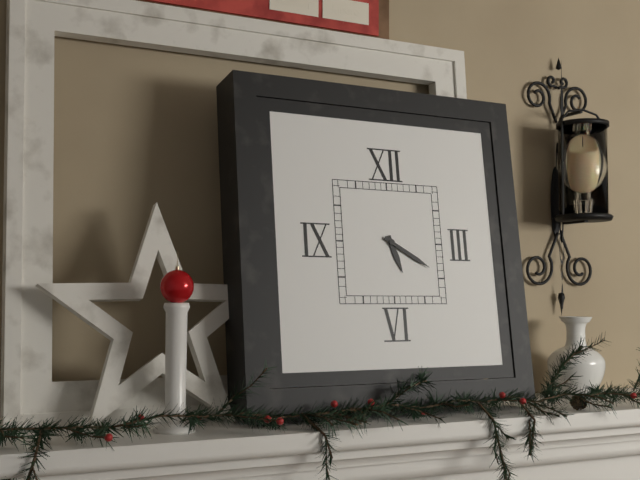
5:20
